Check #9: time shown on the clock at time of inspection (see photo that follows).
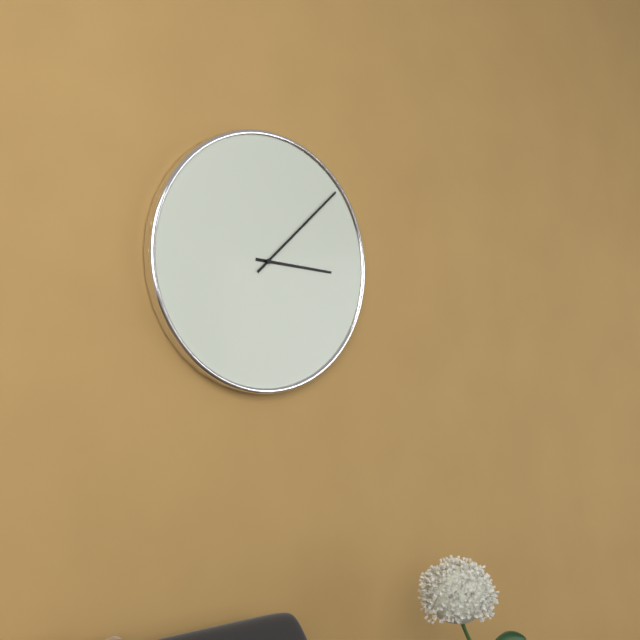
3:08
